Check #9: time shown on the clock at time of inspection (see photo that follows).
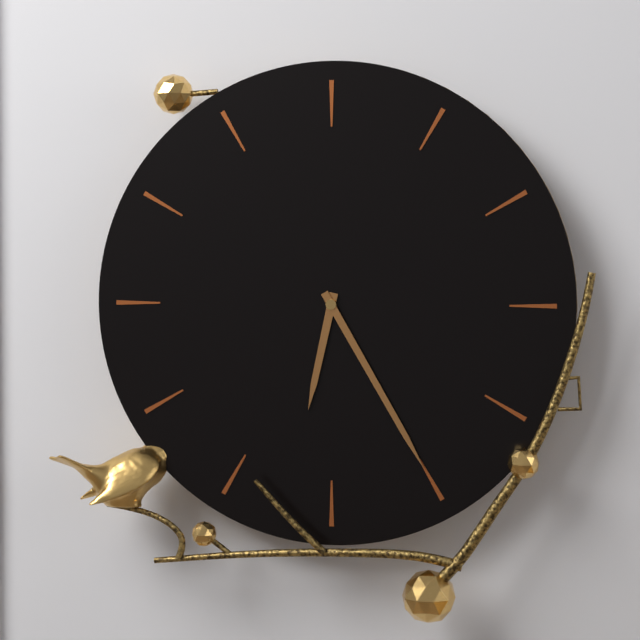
6:25
